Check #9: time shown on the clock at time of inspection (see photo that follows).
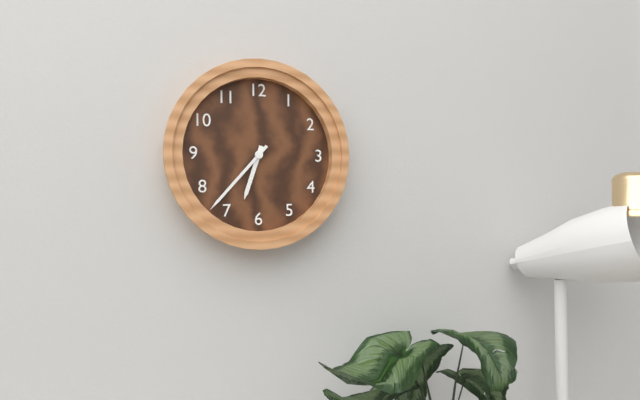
6:37
